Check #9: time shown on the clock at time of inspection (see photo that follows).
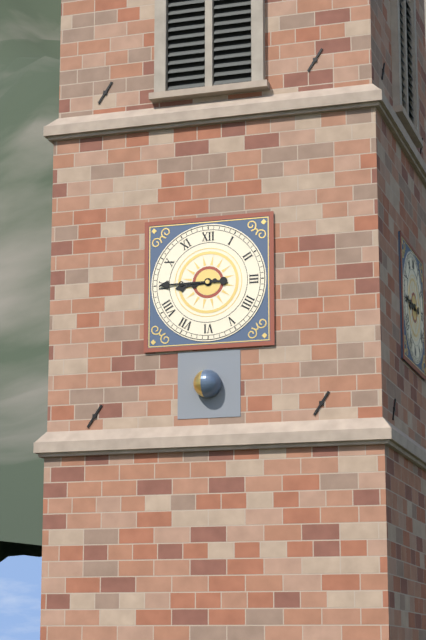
8:45
